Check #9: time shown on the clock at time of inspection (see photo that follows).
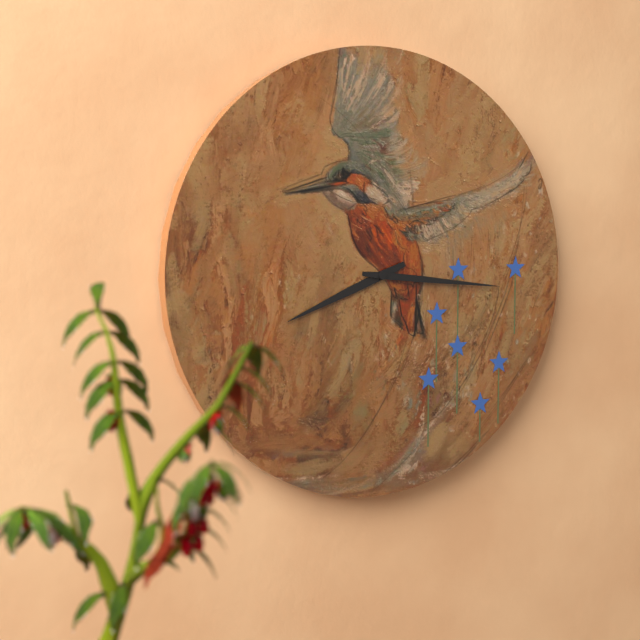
8:16
